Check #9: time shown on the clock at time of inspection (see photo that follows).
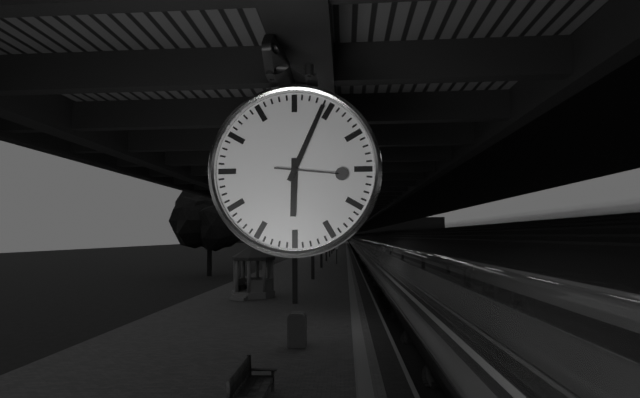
6:04:16
